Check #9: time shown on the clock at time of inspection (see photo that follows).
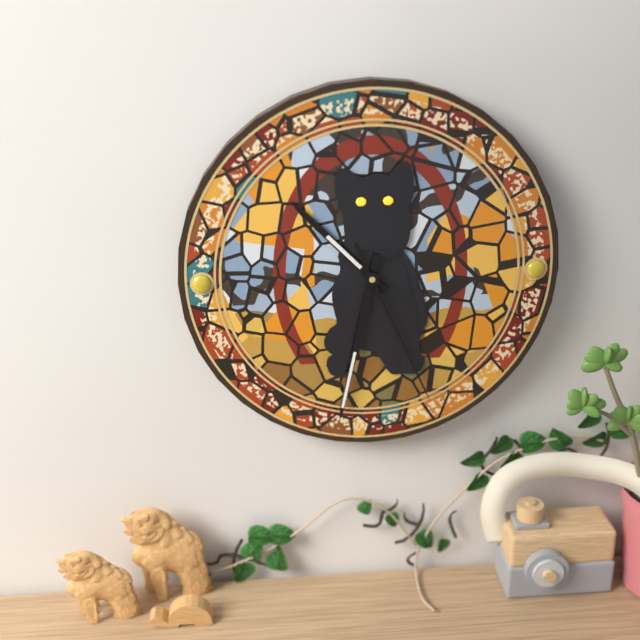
10:32:26
